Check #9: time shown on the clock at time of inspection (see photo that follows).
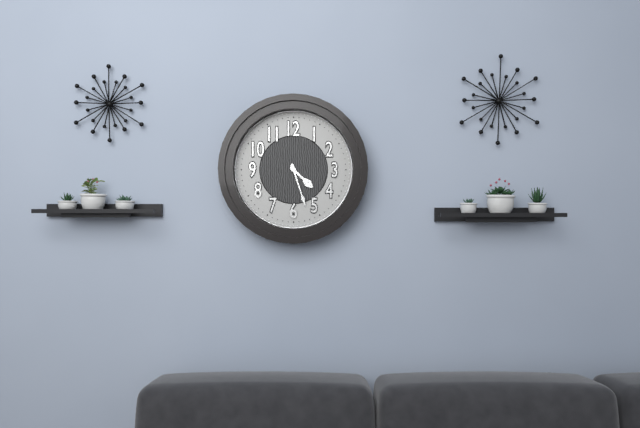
4:27
